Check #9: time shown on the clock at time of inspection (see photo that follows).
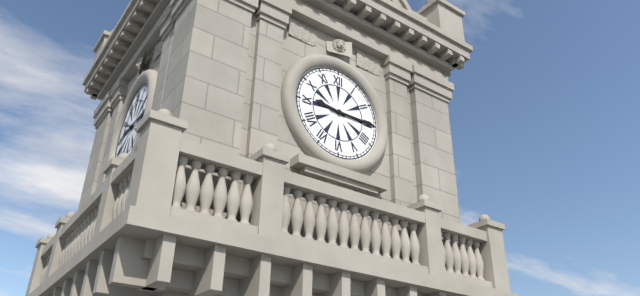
9:15
